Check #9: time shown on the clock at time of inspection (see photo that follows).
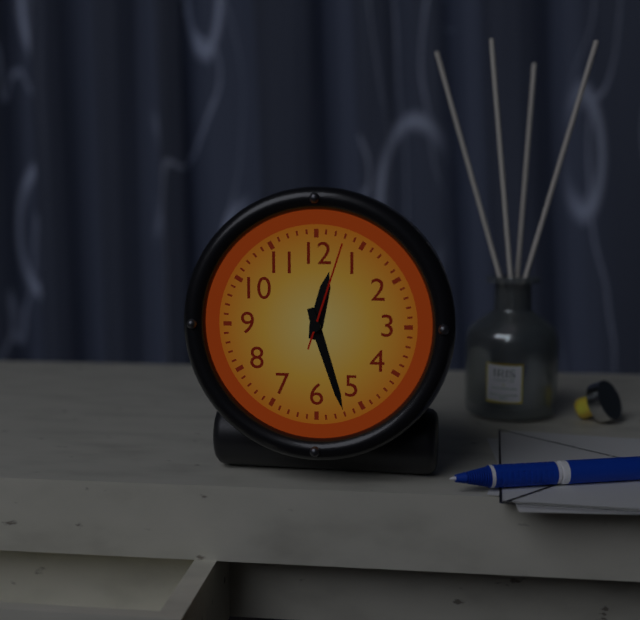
12:27:03
